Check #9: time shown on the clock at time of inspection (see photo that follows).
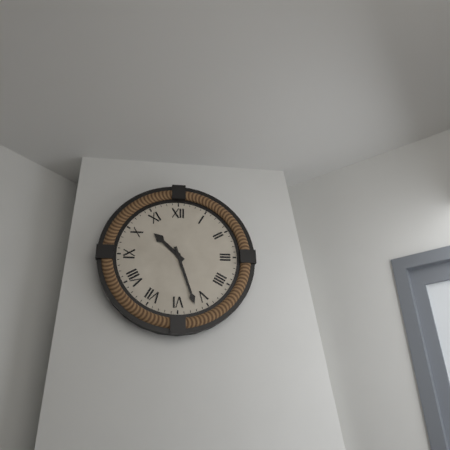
10:27
